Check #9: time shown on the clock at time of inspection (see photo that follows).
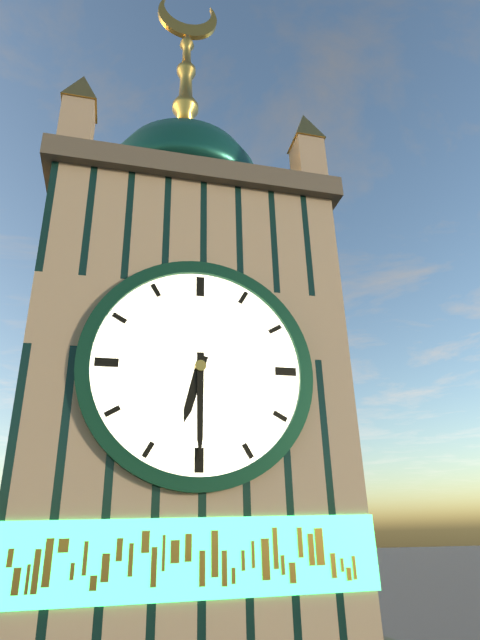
6:30
